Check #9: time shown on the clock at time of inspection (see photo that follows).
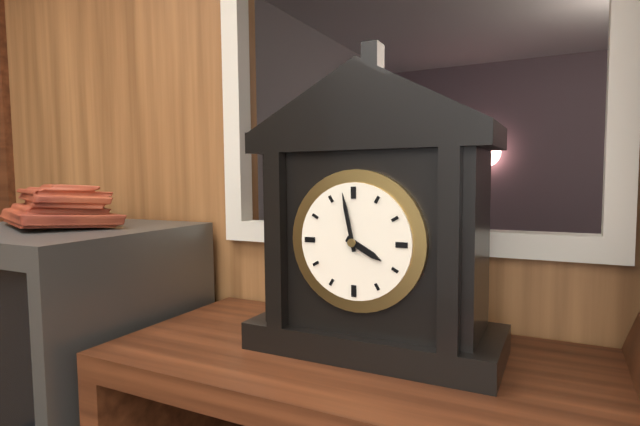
3:58
